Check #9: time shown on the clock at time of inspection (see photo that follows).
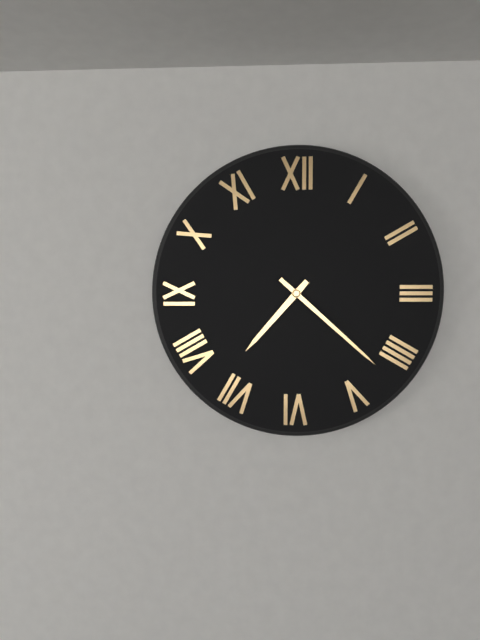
7:22
